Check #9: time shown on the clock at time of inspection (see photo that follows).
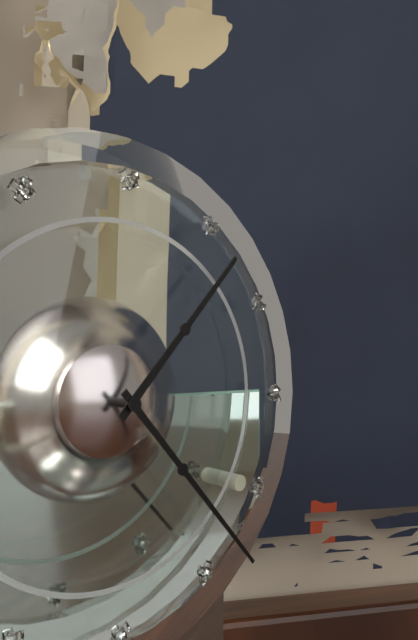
1:23
